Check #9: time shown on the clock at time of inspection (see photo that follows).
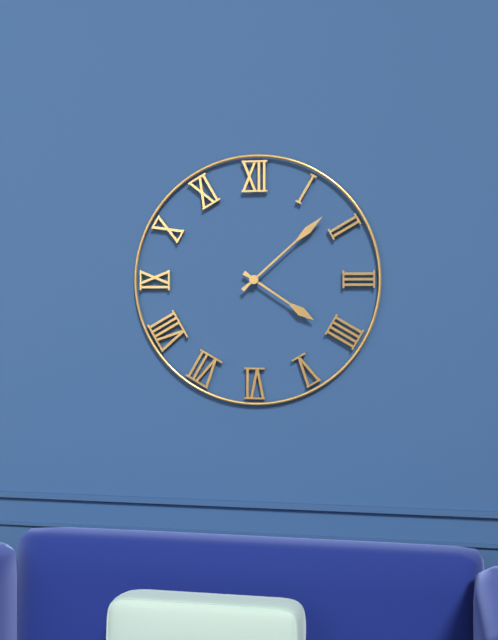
4:08
